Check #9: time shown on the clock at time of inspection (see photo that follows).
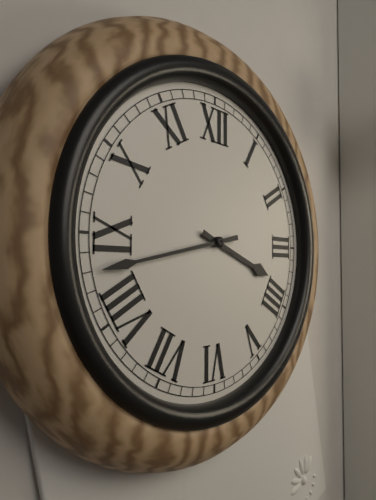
3:43
